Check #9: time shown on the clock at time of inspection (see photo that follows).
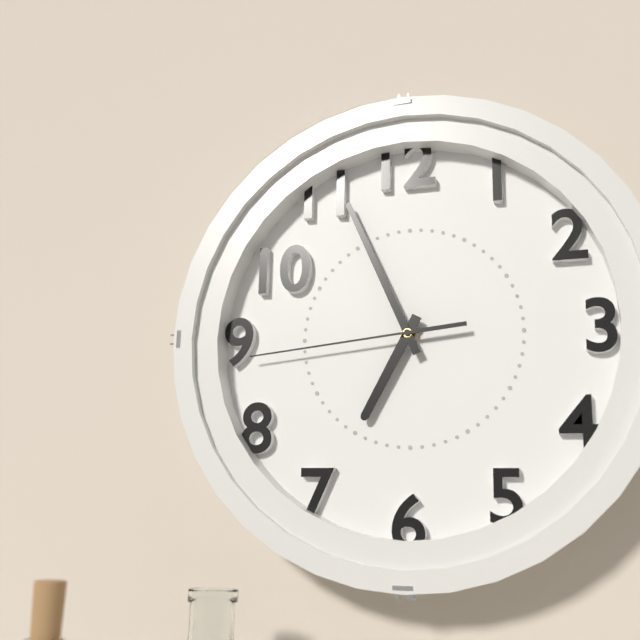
6:56:44
